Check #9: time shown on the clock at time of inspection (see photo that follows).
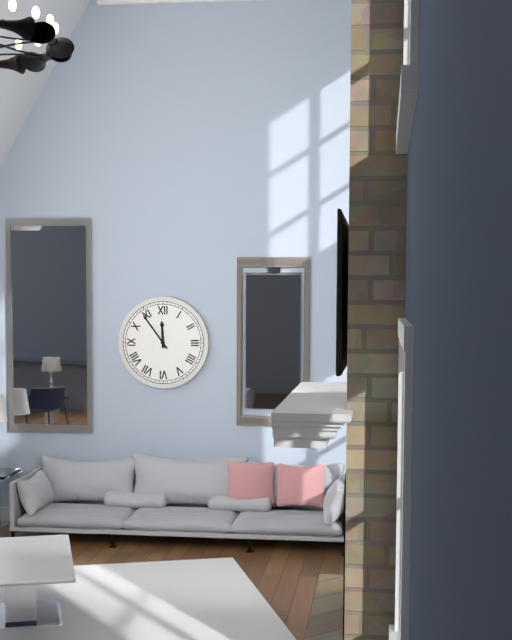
11:54
